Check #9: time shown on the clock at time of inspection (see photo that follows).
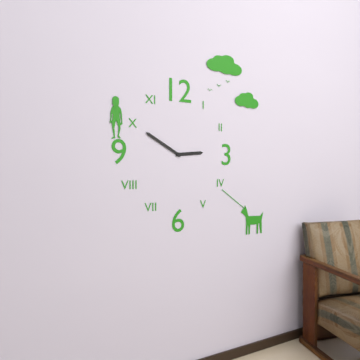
2:50
